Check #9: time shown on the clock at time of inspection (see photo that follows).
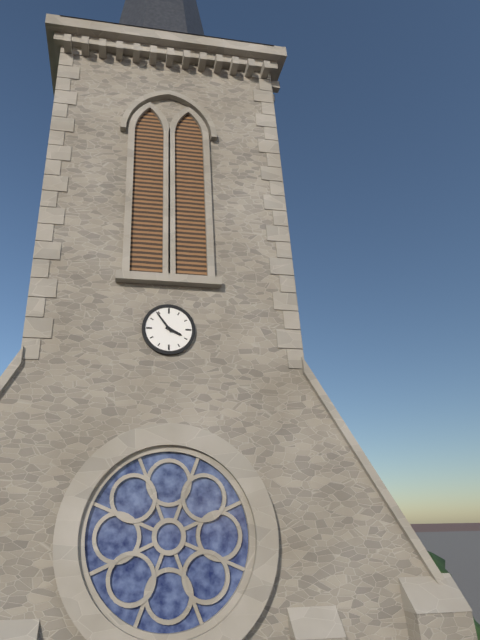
3:54
